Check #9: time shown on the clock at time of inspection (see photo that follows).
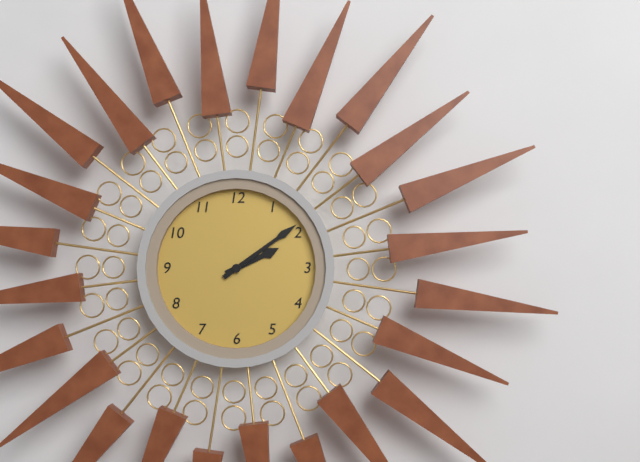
2:09
